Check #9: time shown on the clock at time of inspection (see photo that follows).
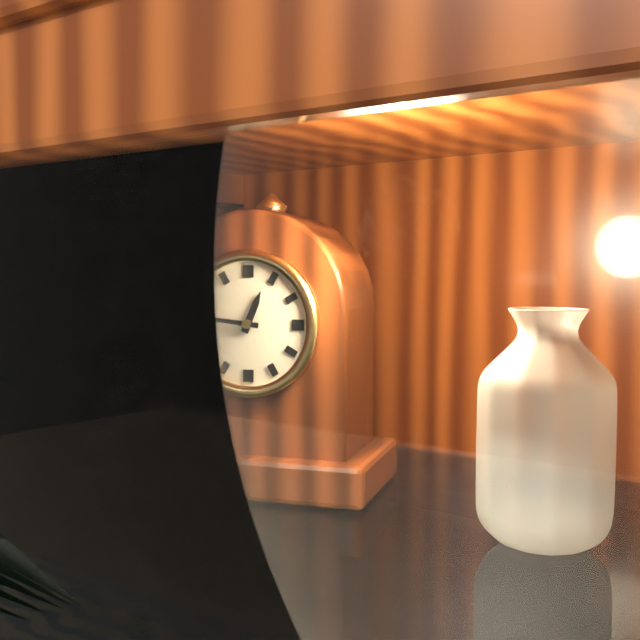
12:46
